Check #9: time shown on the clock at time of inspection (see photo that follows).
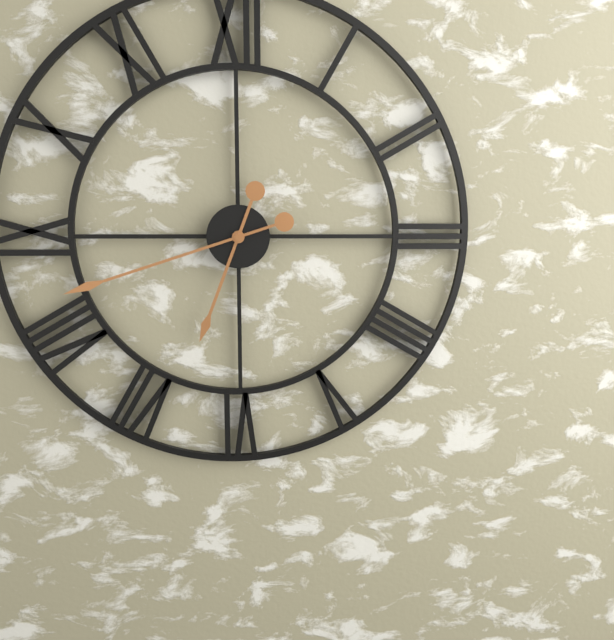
6:42
